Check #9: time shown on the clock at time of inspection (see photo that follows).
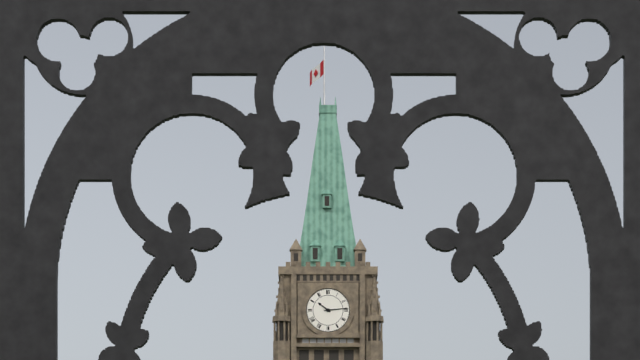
10:14
